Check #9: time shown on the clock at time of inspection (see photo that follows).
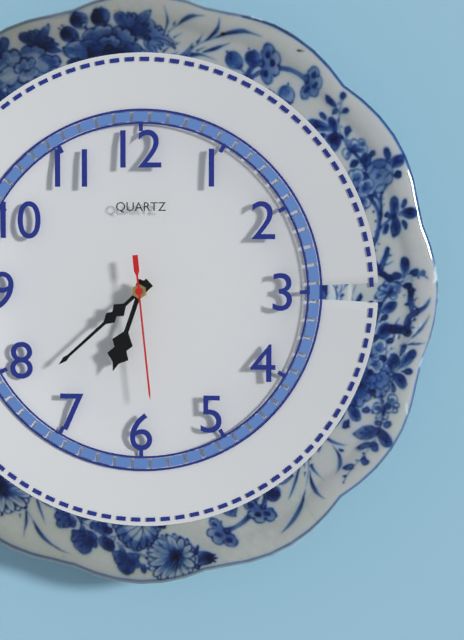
6:38:29
